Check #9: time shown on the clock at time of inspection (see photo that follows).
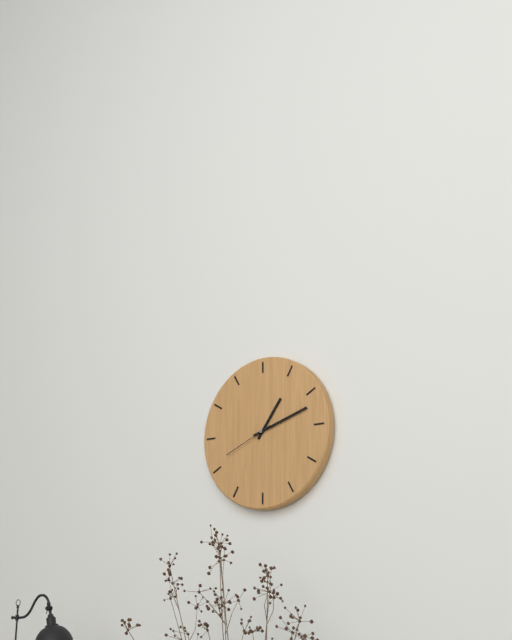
1:12:41
